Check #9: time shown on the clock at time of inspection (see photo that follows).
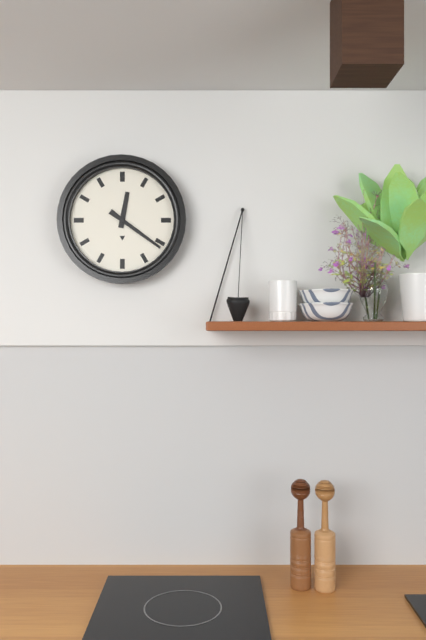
12:21
